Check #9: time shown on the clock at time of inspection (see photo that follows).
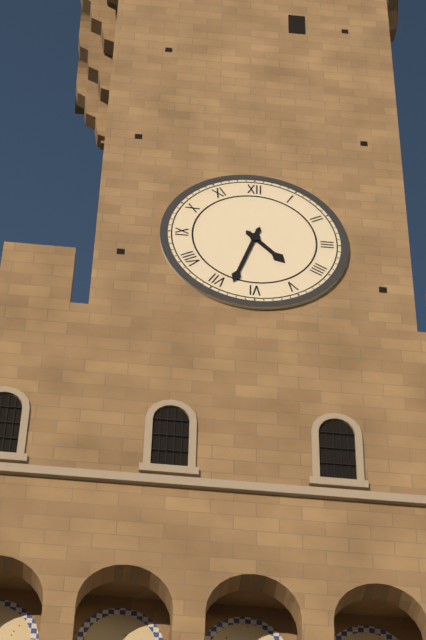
4:33
